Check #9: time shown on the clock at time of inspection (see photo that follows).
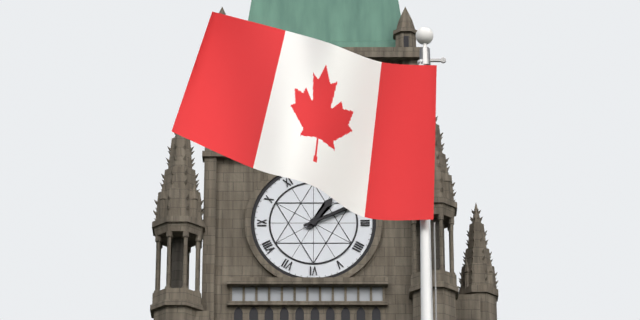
1:11
